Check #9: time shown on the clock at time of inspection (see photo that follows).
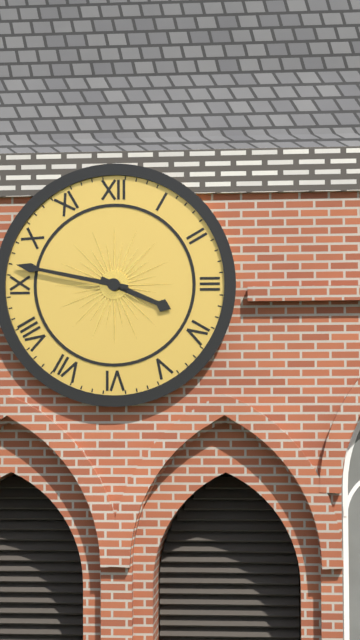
3:47
